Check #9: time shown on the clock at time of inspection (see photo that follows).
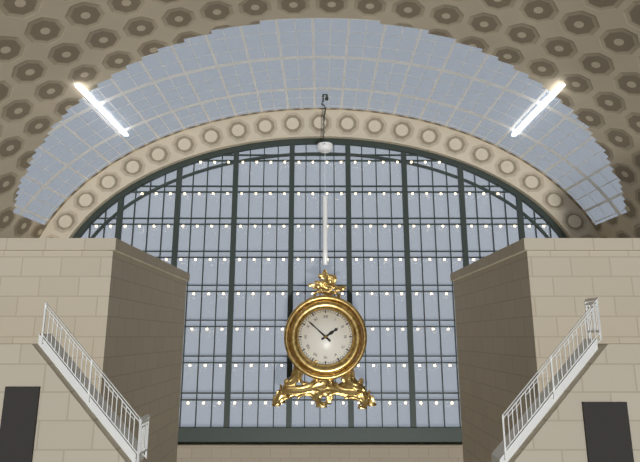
1:52
